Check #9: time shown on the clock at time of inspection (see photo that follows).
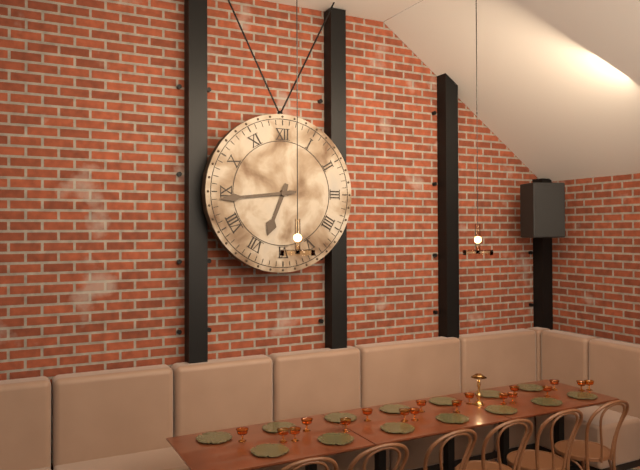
6:44
